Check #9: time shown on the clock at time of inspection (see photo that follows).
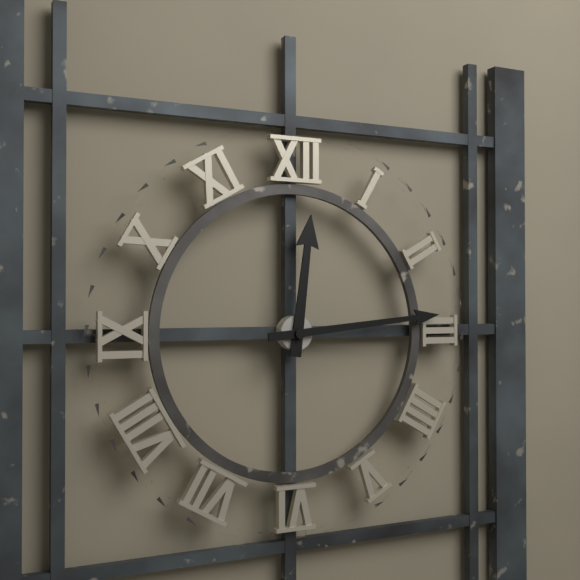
12:14
